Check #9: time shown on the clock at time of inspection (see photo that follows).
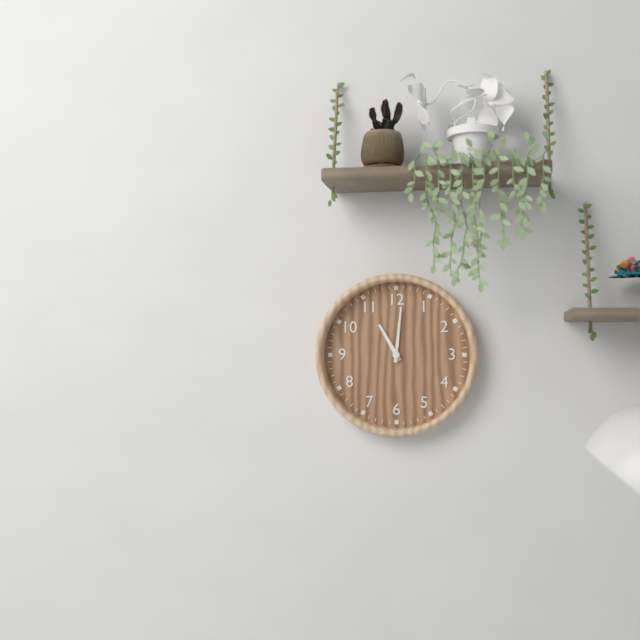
11:01
